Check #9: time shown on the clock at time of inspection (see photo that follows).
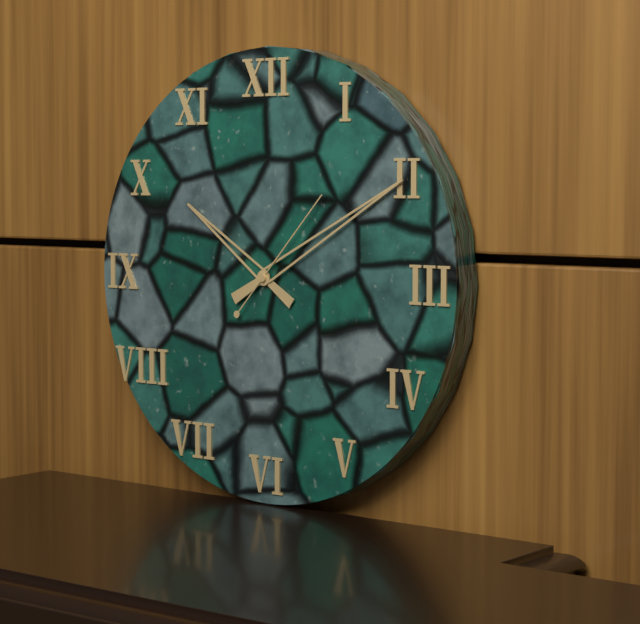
10:10:07
